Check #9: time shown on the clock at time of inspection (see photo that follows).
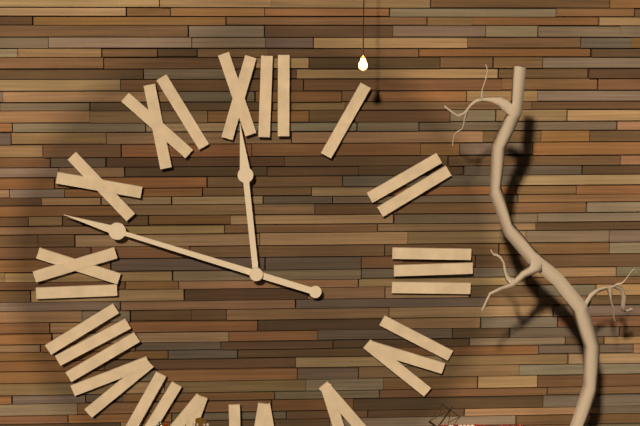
11:48
